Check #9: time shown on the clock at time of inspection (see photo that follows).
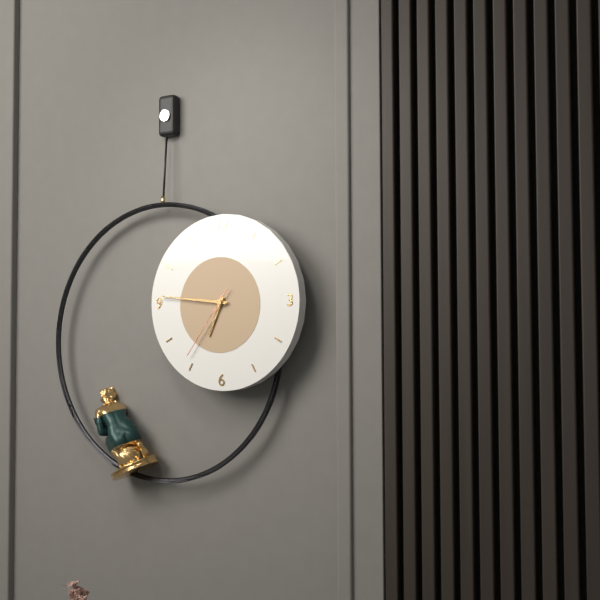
6:46:36
